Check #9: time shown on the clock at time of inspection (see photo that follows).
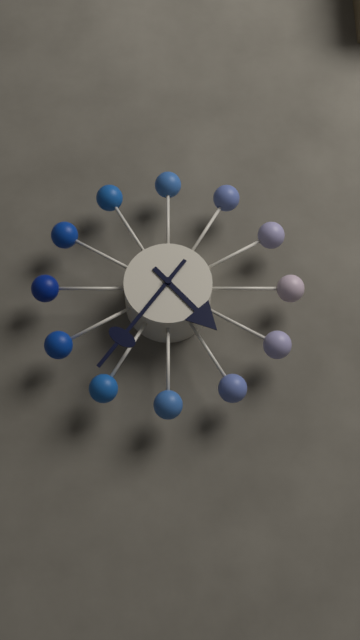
4:36
